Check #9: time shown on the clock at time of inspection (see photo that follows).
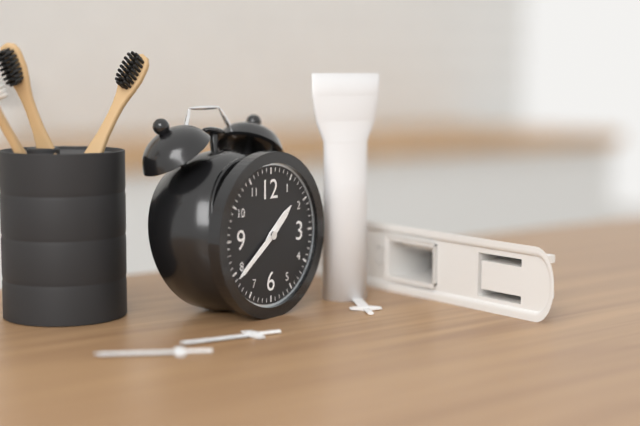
1:39
